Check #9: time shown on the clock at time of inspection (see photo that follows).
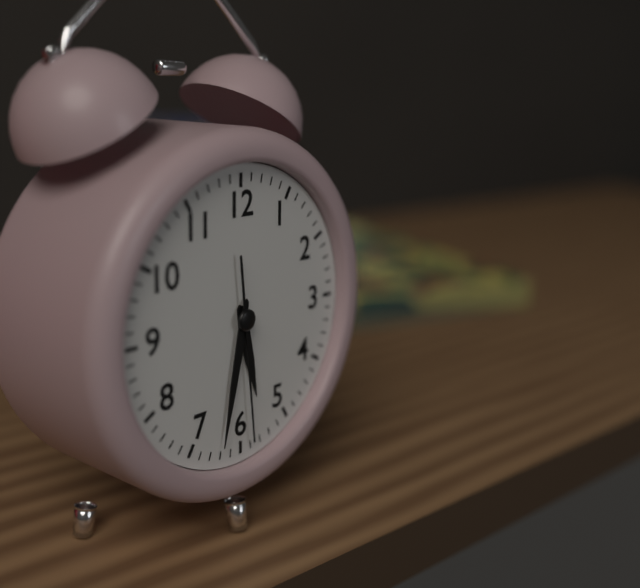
5:32:29
